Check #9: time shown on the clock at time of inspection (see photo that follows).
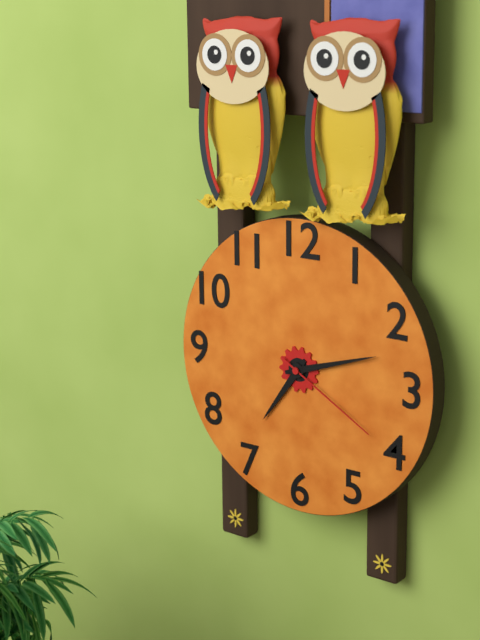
7:12:20
